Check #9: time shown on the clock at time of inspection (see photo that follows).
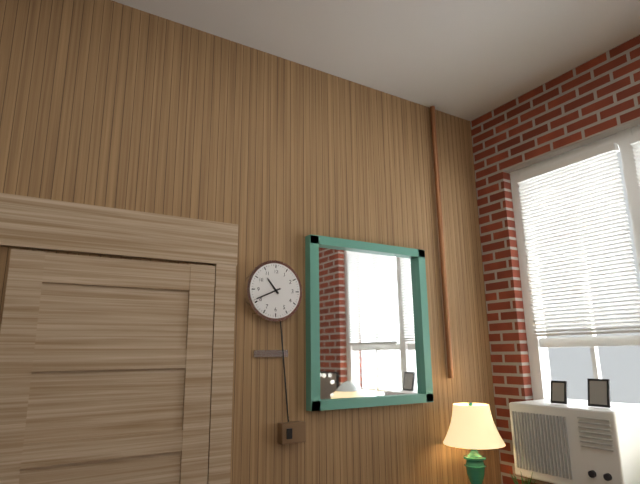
10:41
